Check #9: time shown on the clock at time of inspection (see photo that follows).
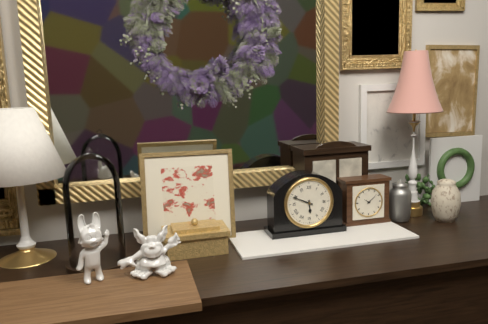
5:49
